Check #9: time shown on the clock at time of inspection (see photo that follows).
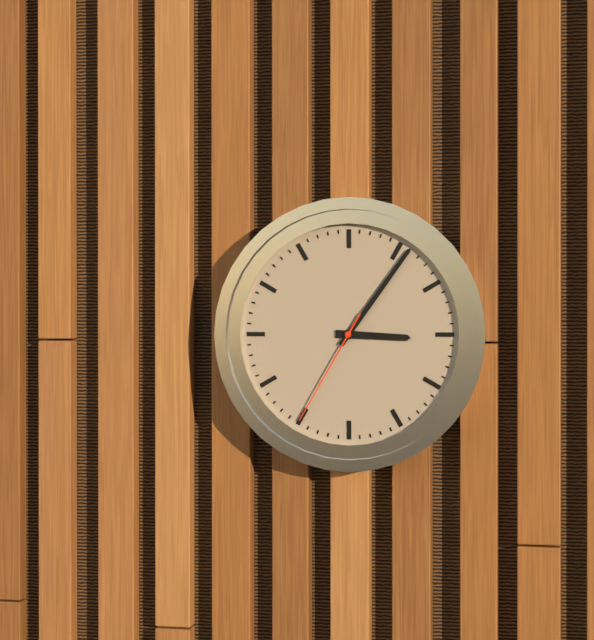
3:06:35
